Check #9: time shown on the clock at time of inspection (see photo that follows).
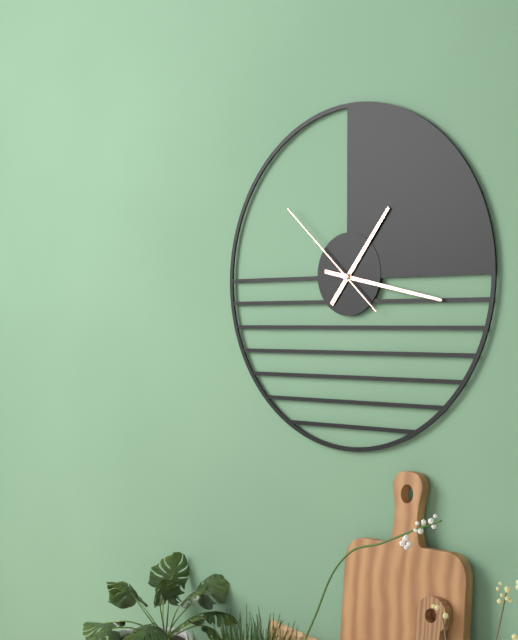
1:17:52
